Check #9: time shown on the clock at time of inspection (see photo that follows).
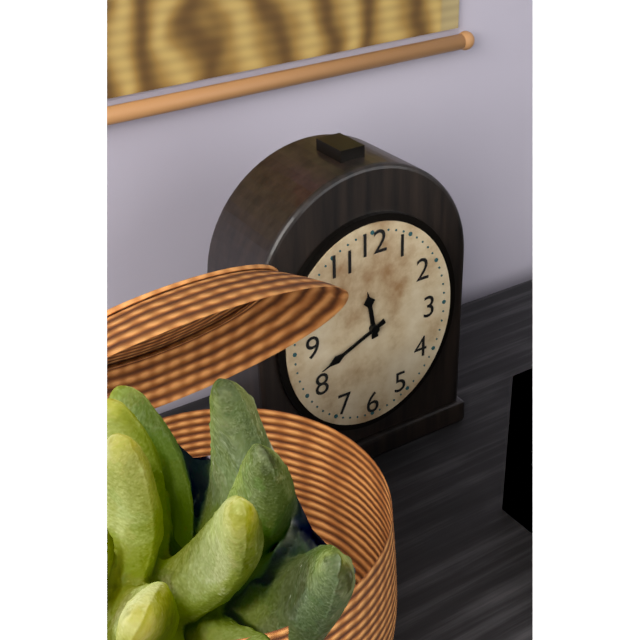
11:41
